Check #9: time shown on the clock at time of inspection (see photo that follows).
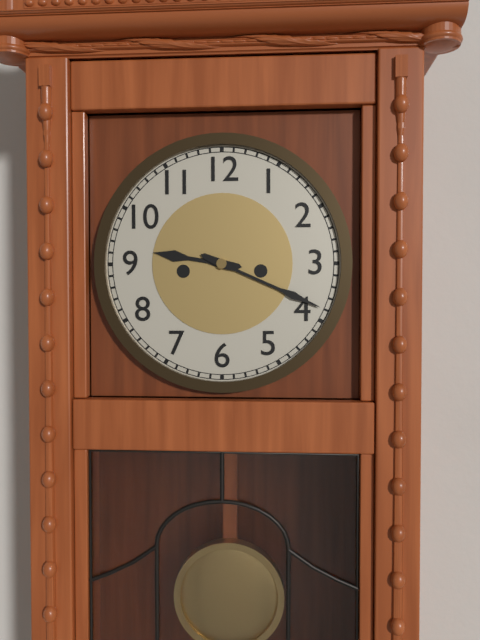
9:19
